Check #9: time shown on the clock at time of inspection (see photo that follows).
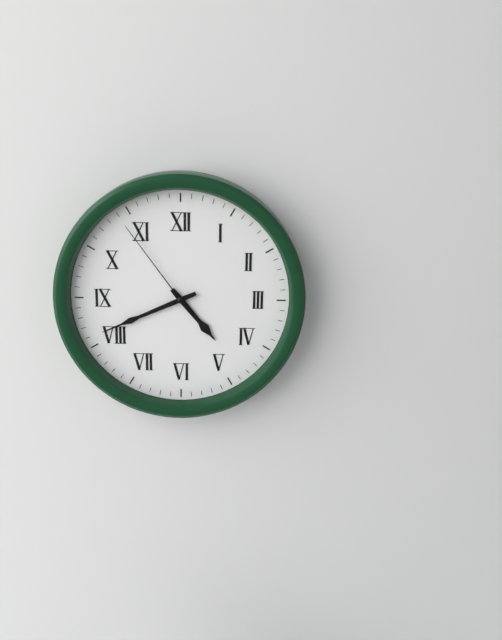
4:41:54
